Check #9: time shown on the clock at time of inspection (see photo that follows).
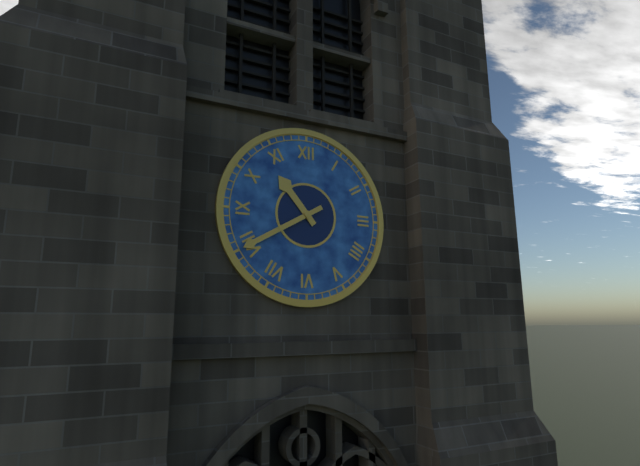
10:40
